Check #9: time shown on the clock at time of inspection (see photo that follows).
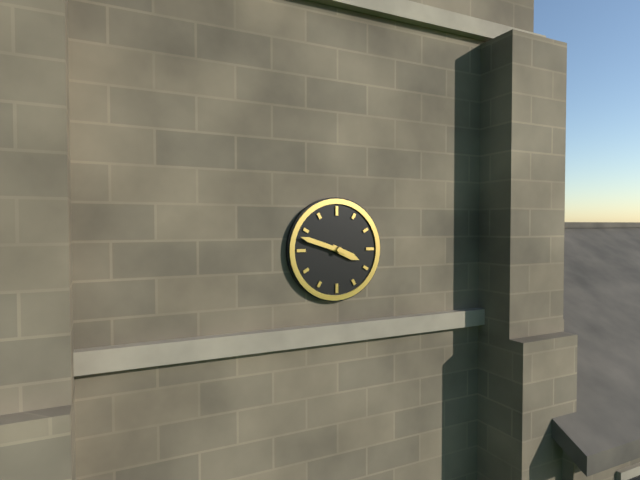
3:48
